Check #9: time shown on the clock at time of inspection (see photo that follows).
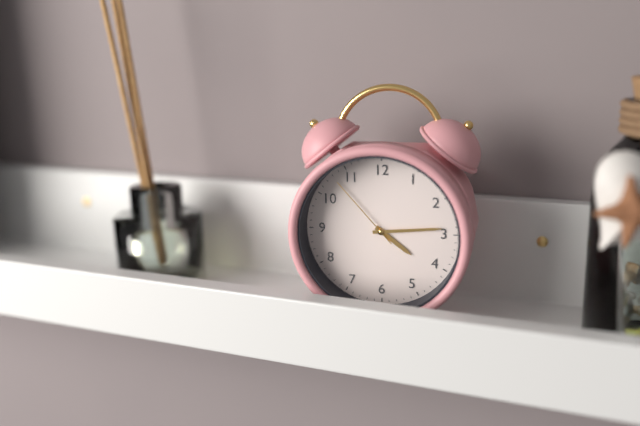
4:14:53
